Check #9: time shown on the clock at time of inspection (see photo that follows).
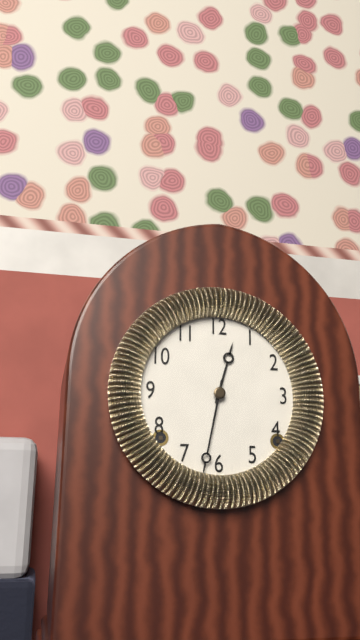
12:32
